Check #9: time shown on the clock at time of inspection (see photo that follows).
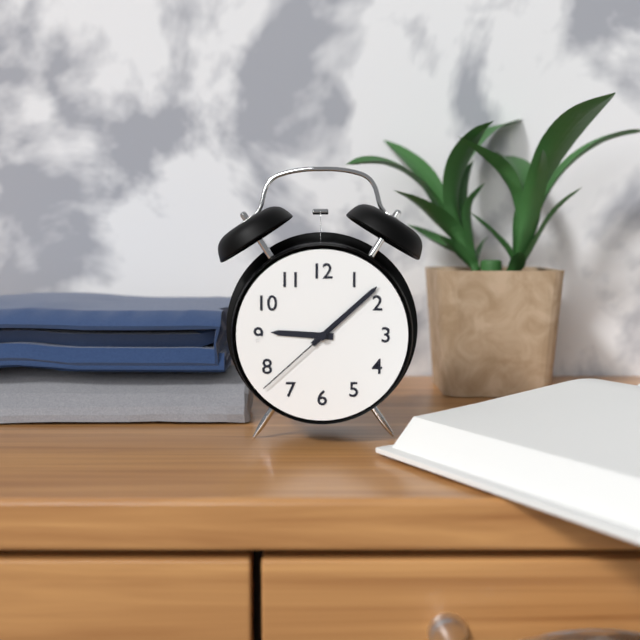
9:08:38
